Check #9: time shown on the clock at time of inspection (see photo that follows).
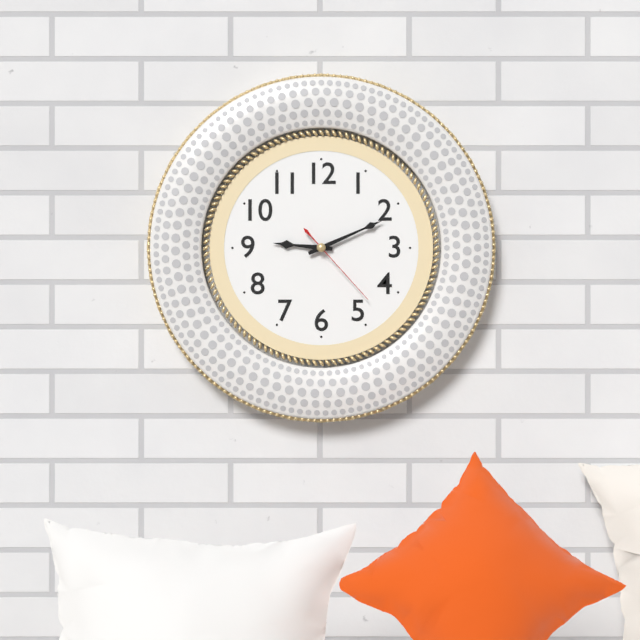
9:11:23
